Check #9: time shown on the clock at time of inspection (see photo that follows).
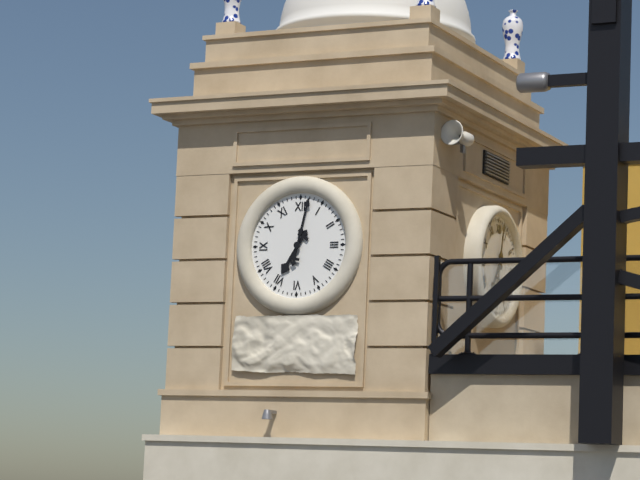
7:02
